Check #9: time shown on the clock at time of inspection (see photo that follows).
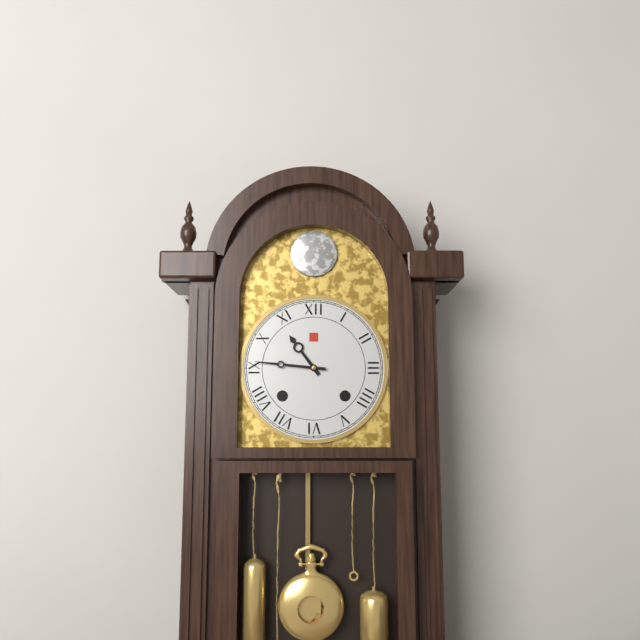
10:46
